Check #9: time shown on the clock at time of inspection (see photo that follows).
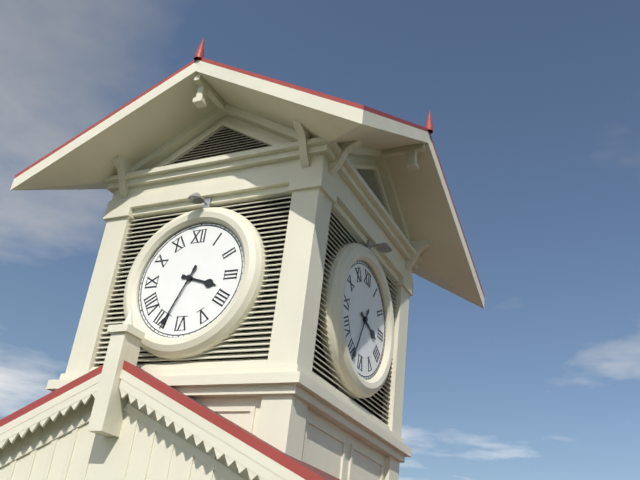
3:34
